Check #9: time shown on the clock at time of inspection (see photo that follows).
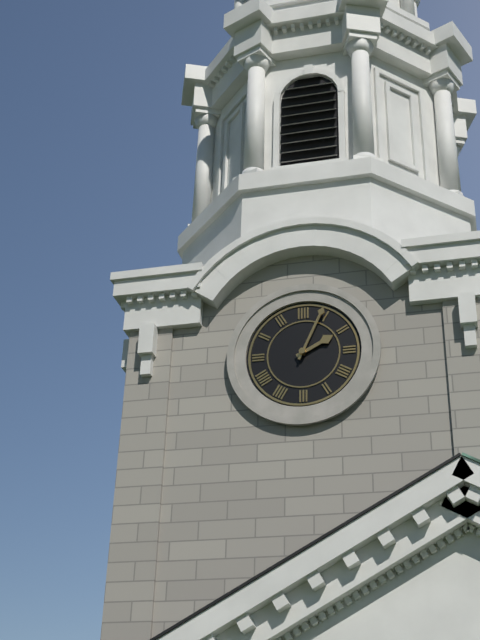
2:04
